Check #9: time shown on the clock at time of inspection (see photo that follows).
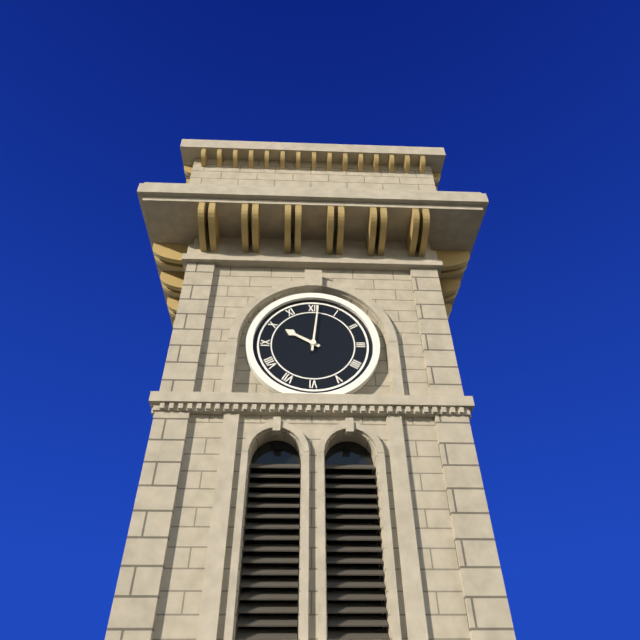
10:01
